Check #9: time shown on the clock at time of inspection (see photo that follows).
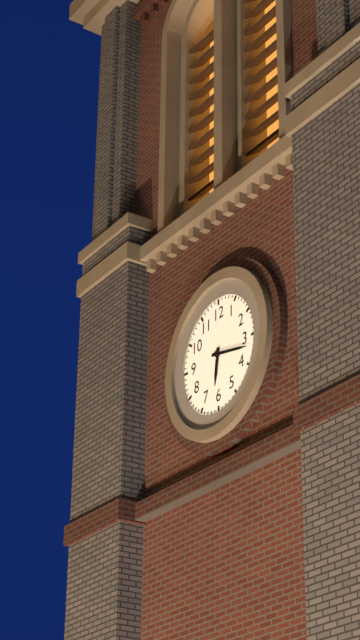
6:17
